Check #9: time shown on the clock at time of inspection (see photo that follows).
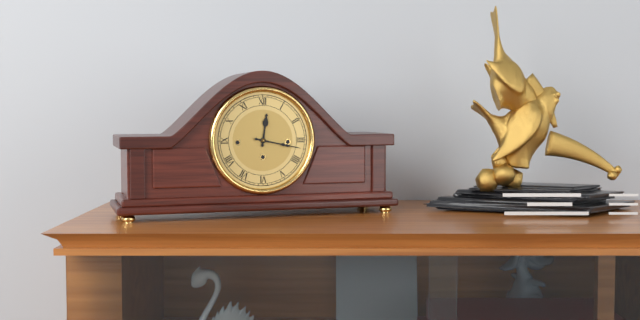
12:17
